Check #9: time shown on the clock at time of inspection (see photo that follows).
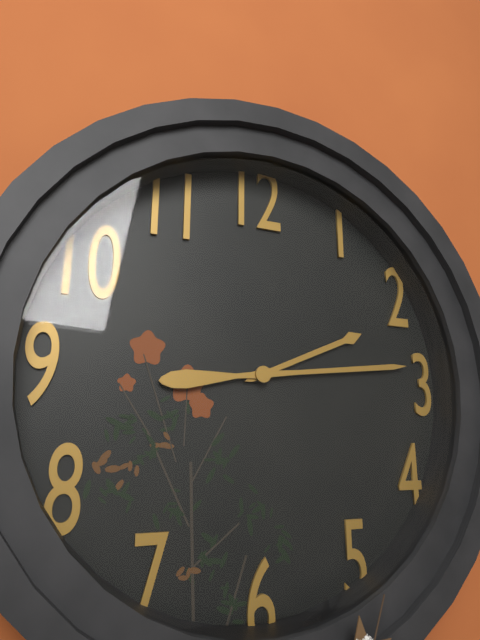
2:14
